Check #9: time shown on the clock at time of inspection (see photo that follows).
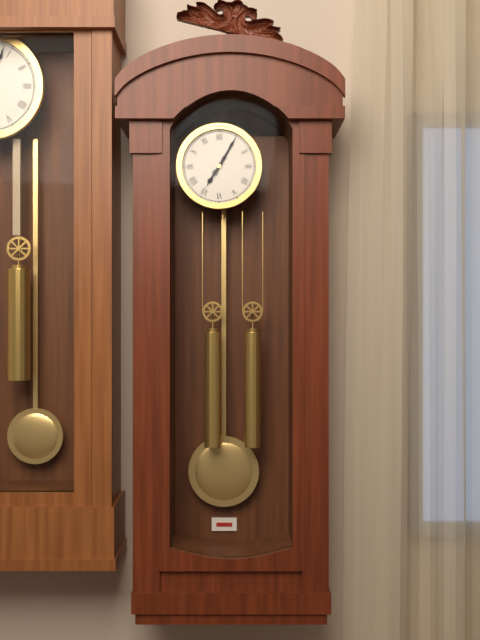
7:05
